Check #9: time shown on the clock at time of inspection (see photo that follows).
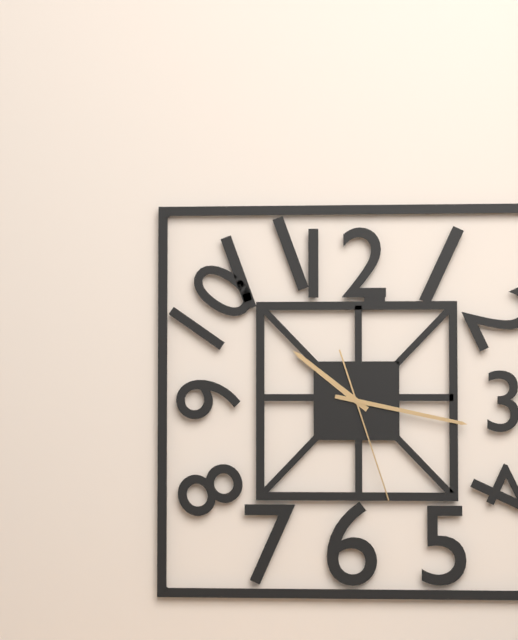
10:17:27
